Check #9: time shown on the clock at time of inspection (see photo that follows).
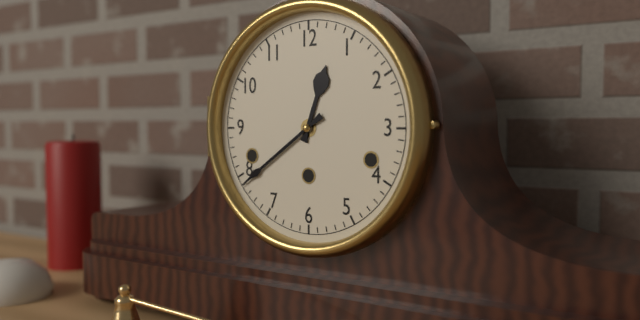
12:39
